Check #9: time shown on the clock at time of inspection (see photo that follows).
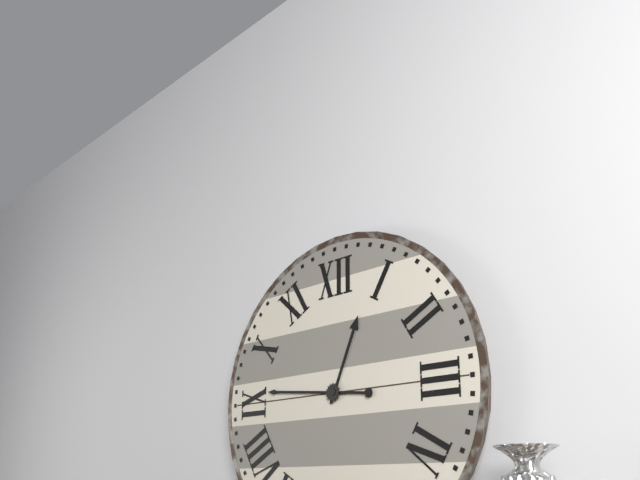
12:46
